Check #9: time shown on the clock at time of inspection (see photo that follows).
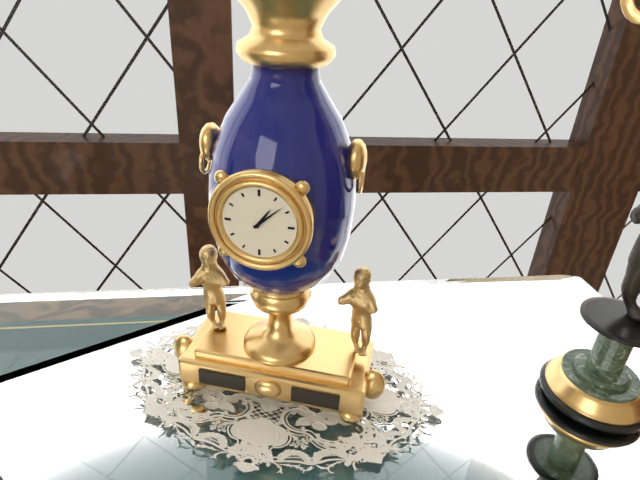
1:08
